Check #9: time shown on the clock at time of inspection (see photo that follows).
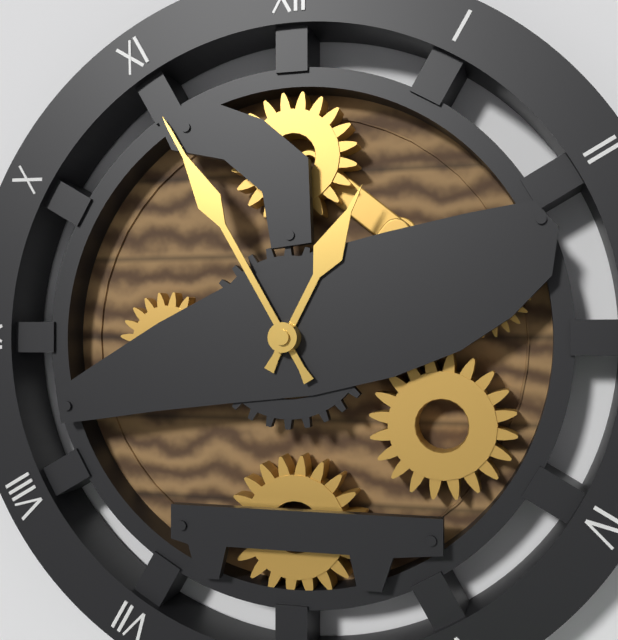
12:55
